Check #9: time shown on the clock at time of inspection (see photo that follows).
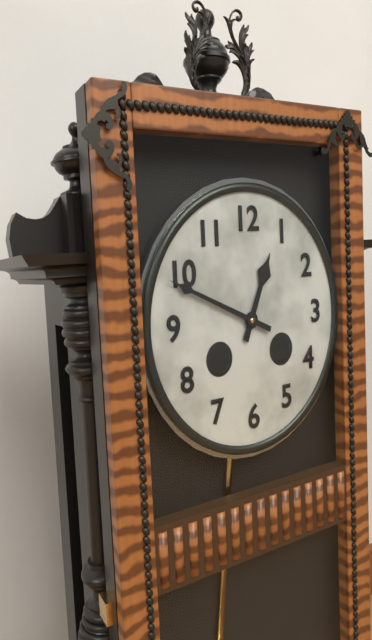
12:49
